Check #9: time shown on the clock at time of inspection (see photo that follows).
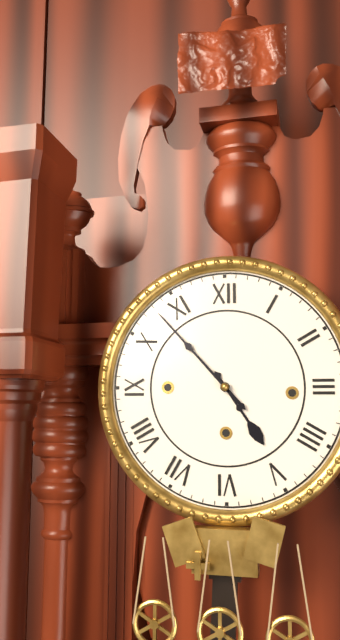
4:53
